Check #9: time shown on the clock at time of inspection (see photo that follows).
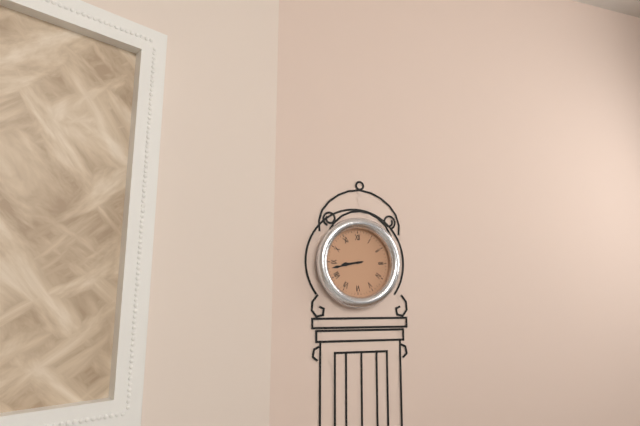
8:43
